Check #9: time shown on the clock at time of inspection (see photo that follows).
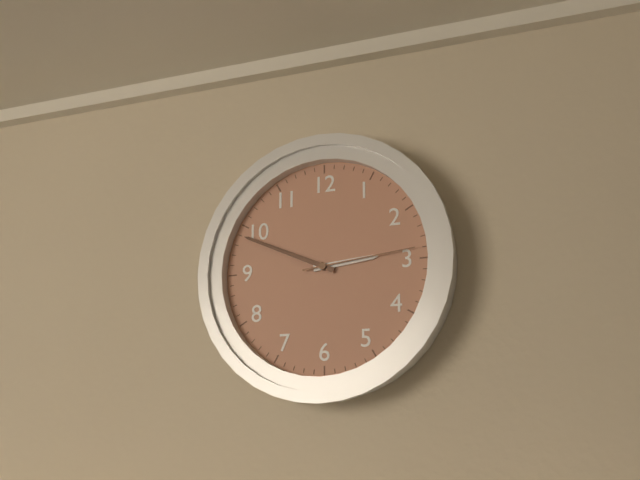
2:49:14
